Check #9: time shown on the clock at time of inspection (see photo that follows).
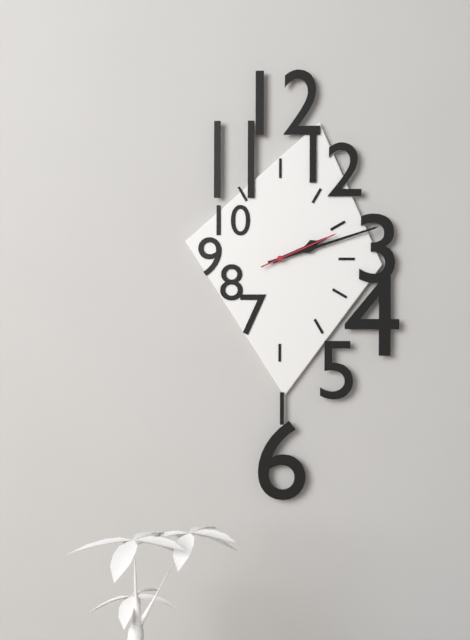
2:12:11
